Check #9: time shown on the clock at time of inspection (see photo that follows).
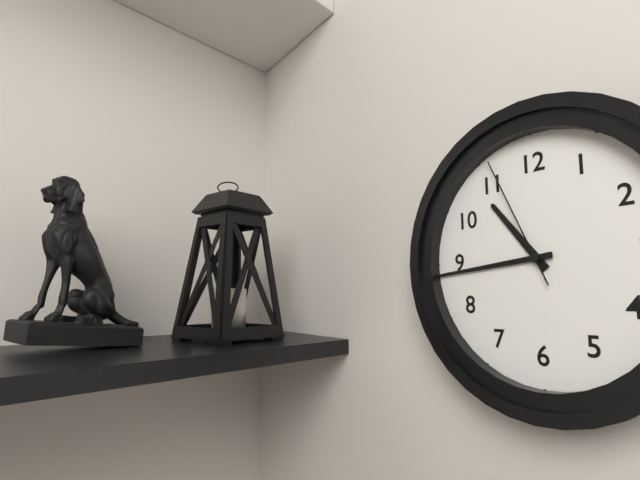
10:44:56
